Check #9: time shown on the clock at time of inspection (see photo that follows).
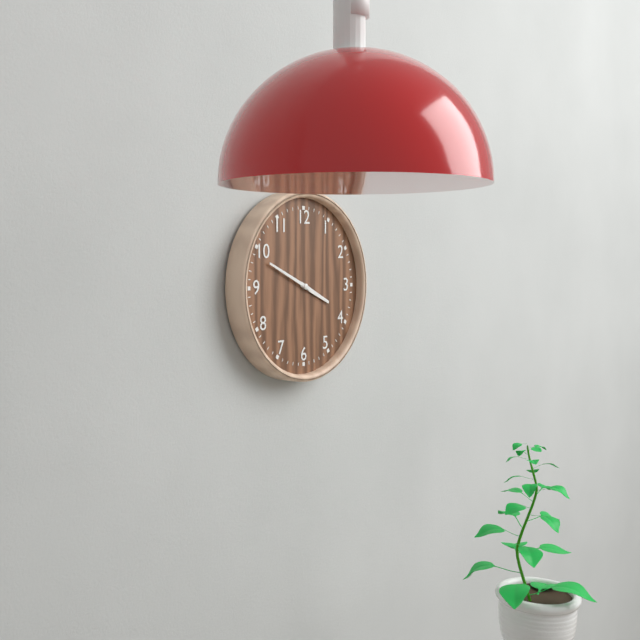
3:49
